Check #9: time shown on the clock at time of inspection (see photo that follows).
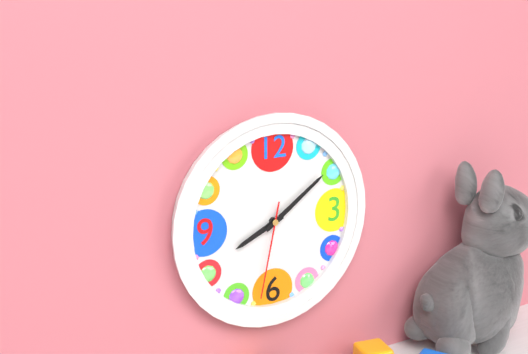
8:09:32
